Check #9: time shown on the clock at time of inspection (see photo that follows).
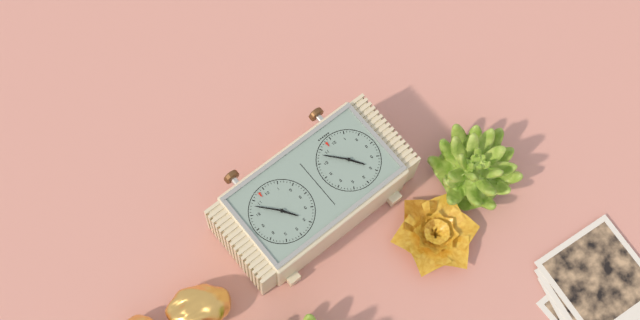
4:53
